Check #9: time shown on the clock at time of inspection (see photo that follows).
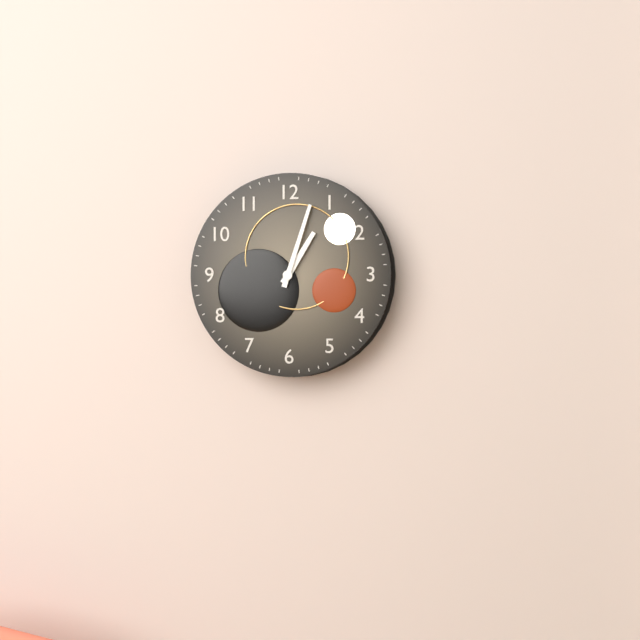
1:03
